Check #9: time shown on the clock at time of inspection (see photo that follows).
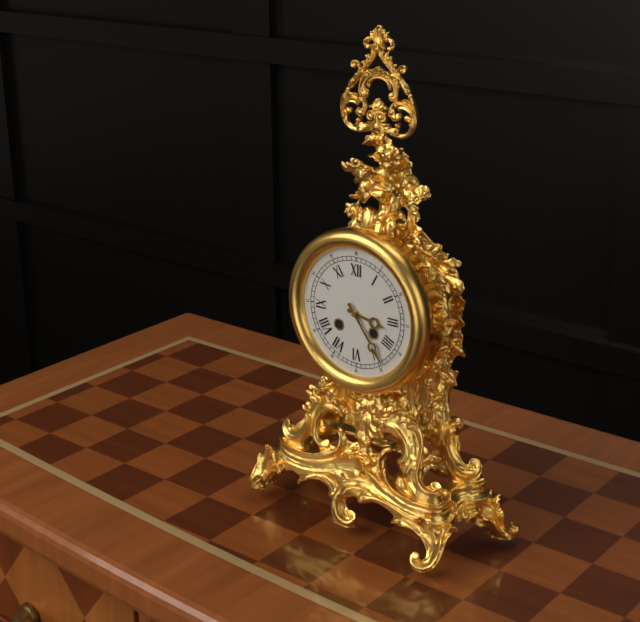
3:24
